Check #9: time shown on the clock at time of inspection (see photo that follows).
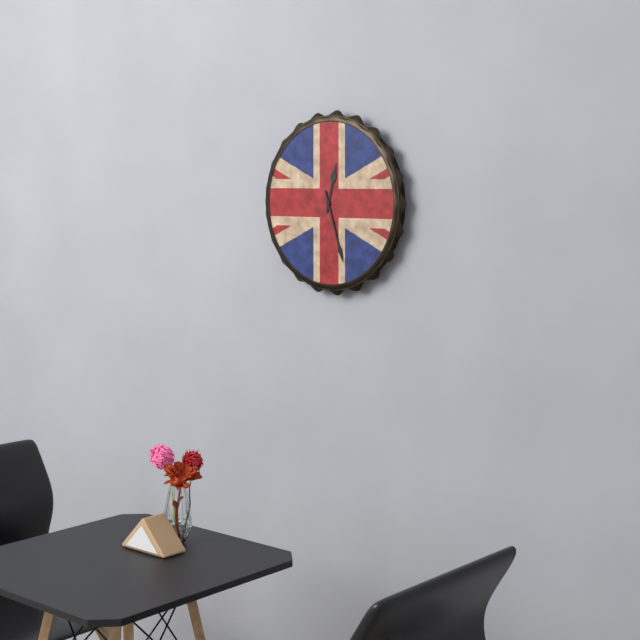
12:27
